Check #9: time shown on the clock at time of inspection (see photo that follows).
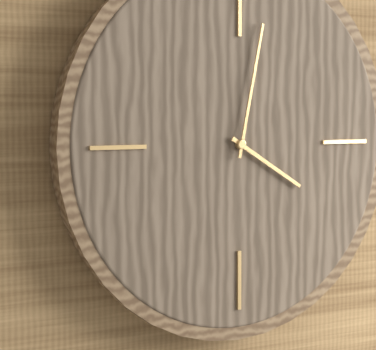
4:02
